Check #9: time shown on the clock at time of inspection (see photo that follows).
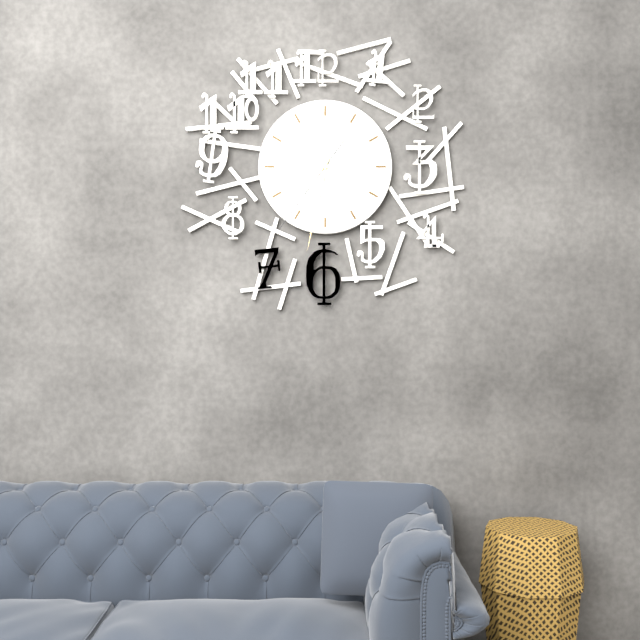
5:32:36
